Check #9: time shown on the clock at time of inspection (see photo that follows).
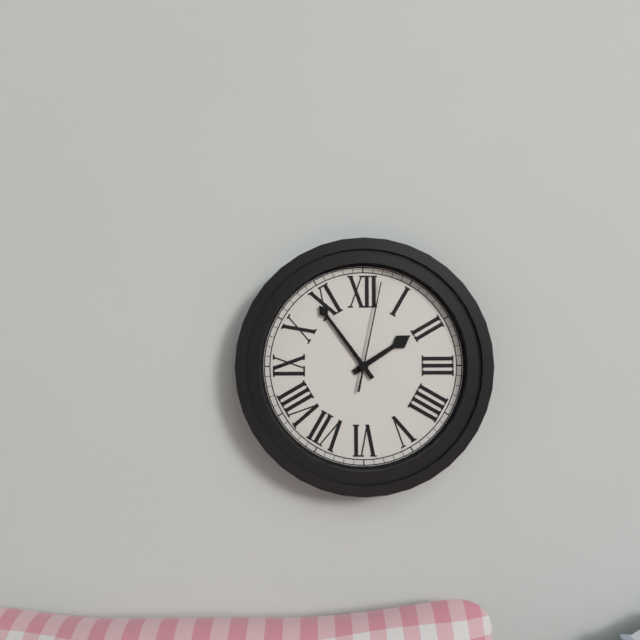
1:54:02
